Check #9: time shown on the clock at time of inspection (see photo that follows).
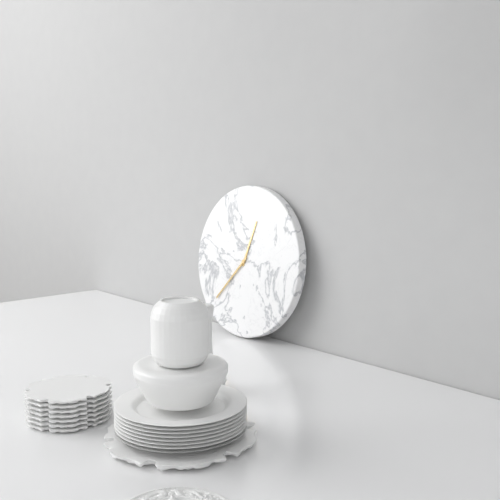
12:37
